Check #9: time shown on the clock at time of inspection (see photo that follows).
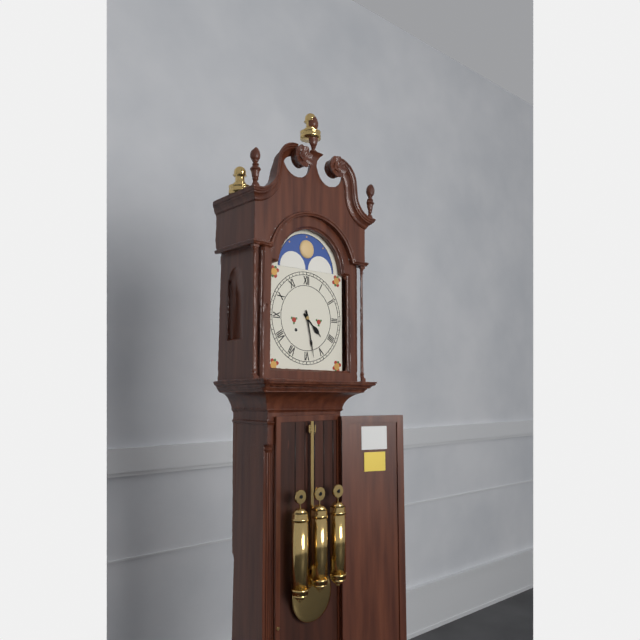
4:28
